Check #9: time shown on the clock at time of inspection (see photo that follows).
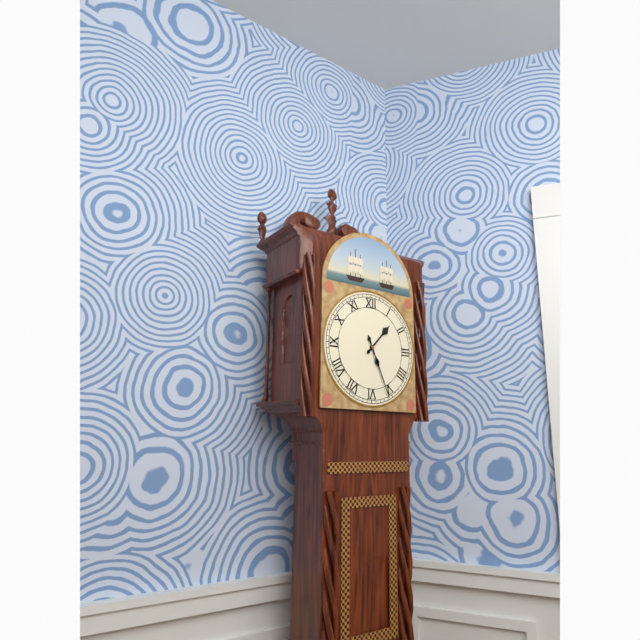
1:26
